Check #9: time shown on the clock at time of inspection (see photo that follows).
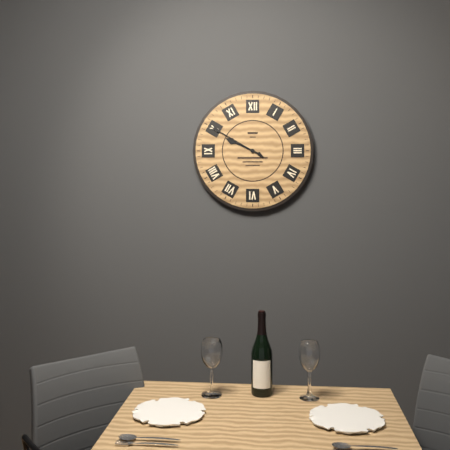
9:50
